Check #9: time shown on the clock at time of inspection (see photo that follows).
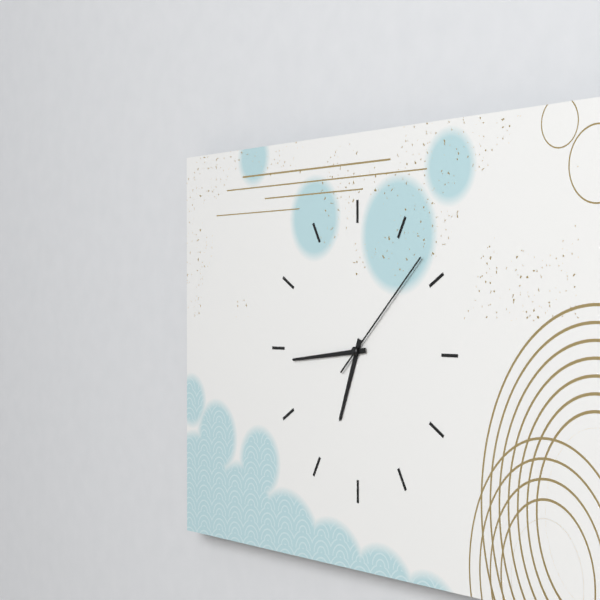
6:44:08
